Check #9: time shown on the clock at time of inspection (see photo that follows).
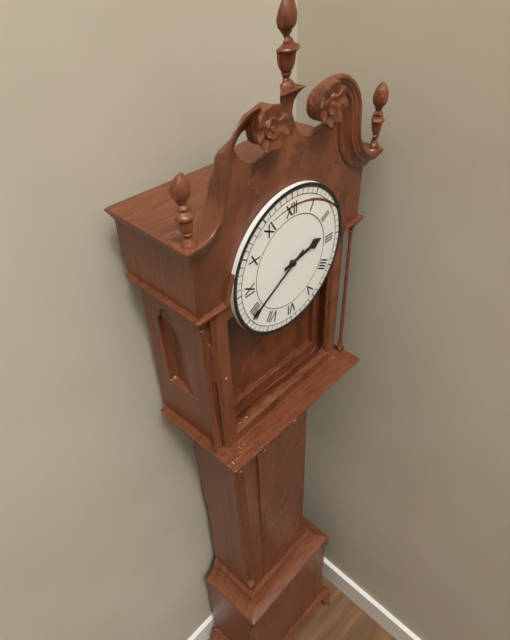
2:40
